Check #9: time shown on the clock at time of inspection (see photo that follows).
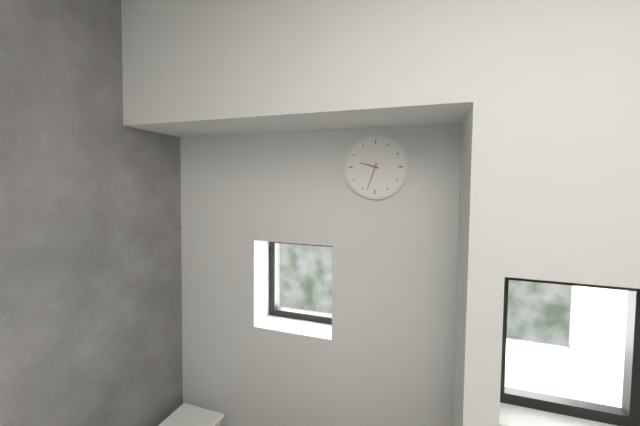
9:33
